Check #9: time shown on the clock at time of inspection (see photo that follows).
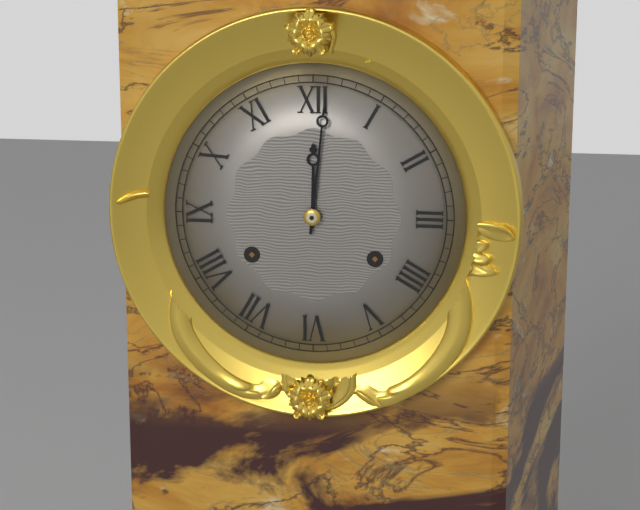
12:01
